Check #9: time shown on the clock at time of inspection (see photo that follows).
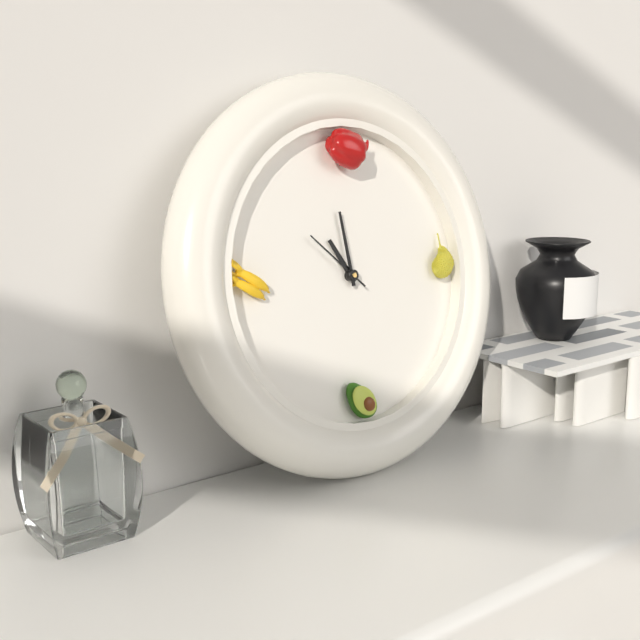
10:59:52
